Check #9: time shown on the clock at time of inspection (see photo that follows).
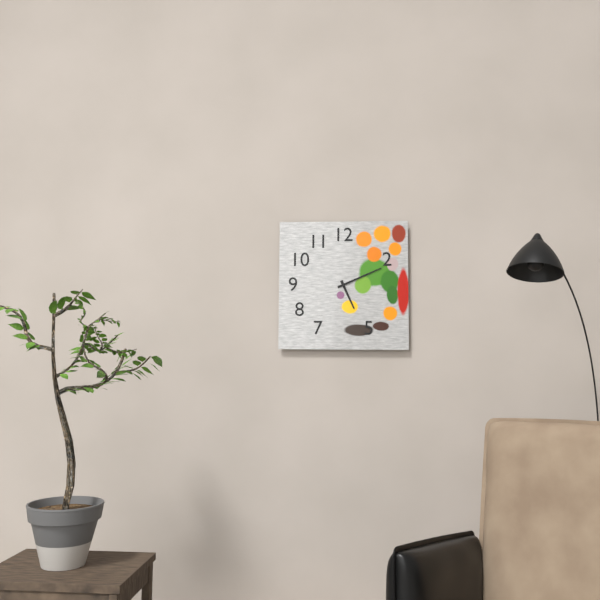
5:11
